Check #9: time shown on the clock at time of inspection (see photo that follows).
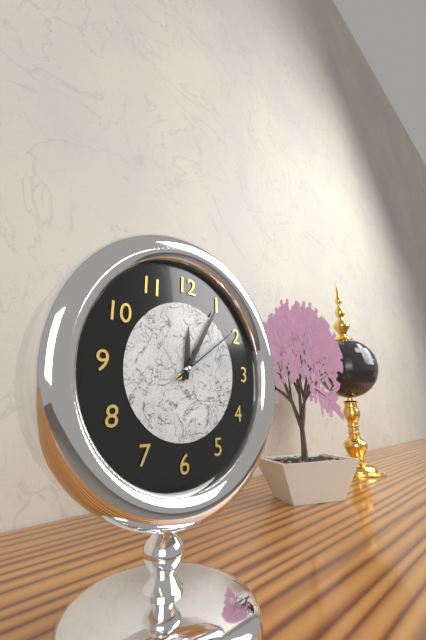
12:05:09
